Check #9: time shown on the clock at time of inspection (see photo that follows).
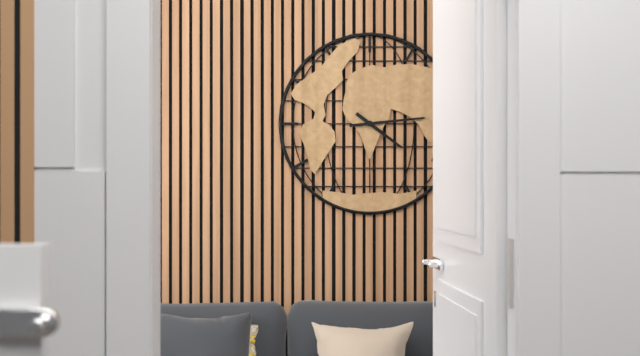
4:14
